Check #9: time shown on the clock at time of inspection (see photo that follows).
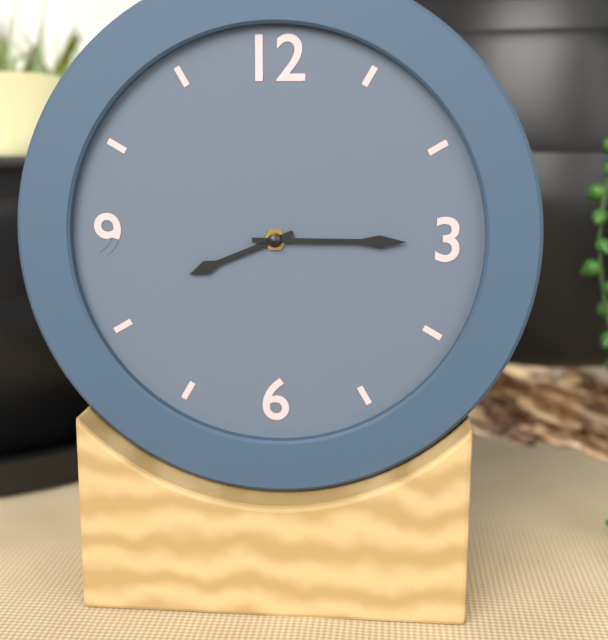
8:15
